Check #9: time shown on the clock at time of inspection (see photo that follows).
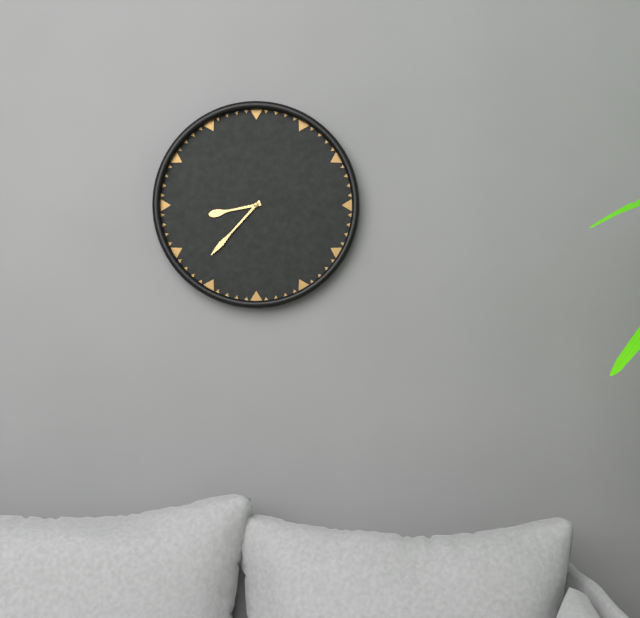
8:37
